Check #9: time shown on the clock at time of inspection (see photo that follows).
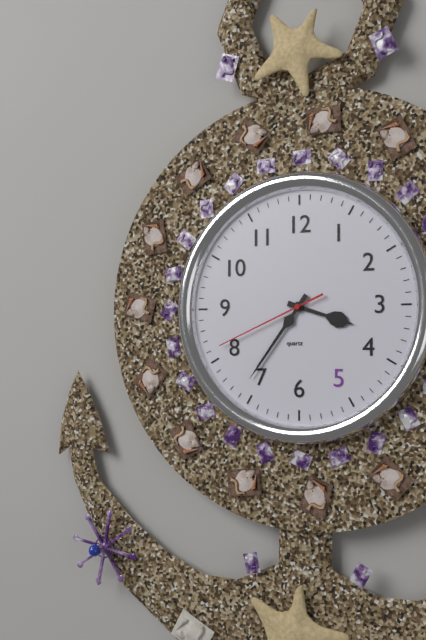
3:36:41
